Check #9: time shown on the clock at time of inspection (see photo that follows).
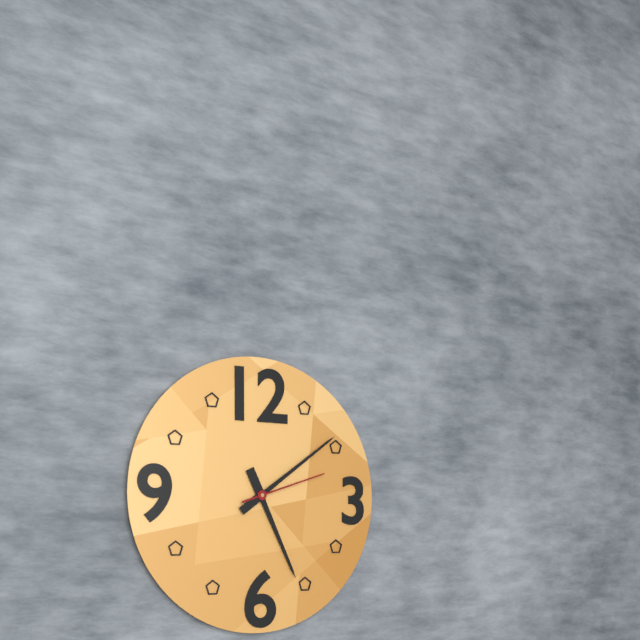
5:09:12
